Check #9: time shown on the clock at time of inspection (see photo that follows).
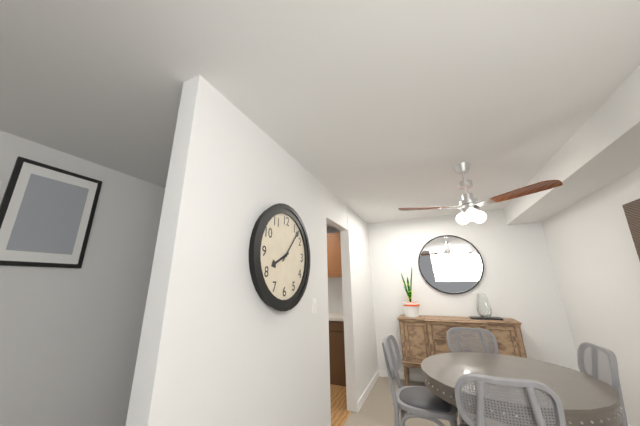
8:07
